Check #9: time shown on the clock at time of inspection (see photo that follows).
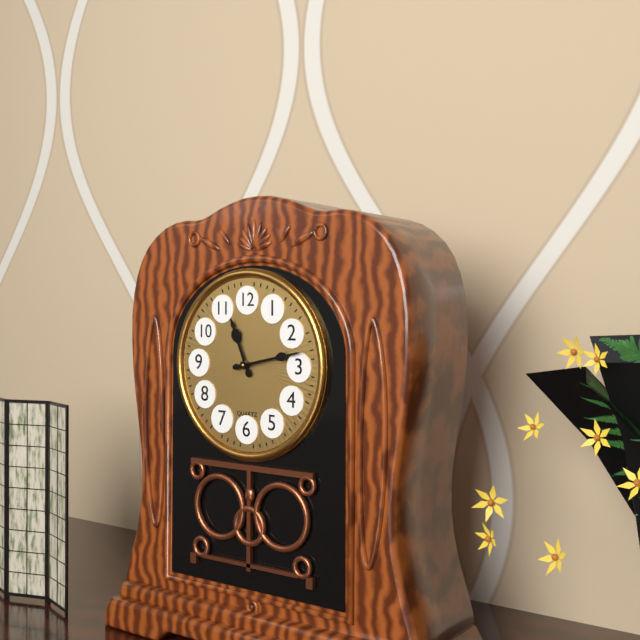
11:13
